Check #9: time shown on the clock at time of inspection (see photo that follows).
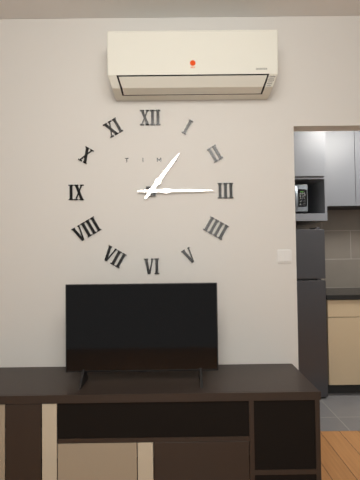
1:15
